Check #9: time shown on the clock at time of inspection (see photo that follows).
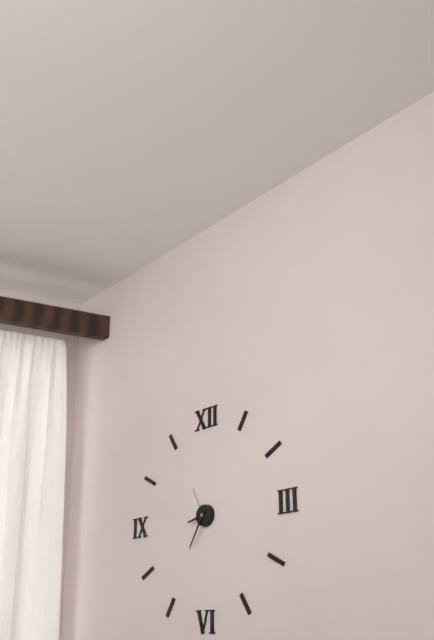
8:35
